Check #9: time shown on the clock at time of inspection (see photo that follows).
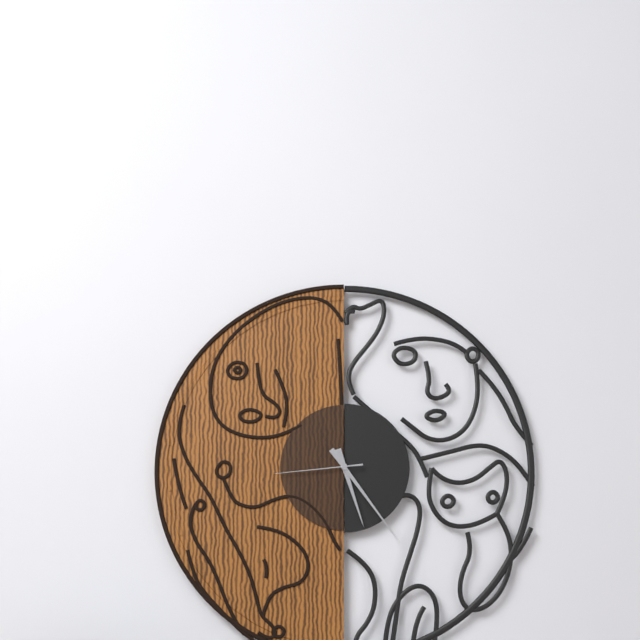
5:24:44
